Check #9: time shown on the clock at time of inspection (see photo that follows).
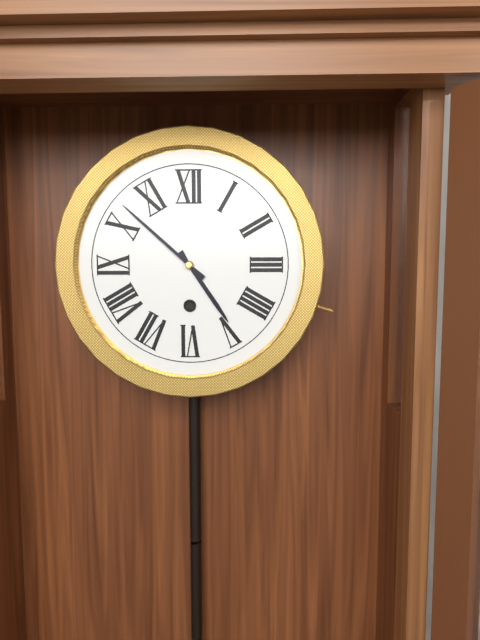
4:52
